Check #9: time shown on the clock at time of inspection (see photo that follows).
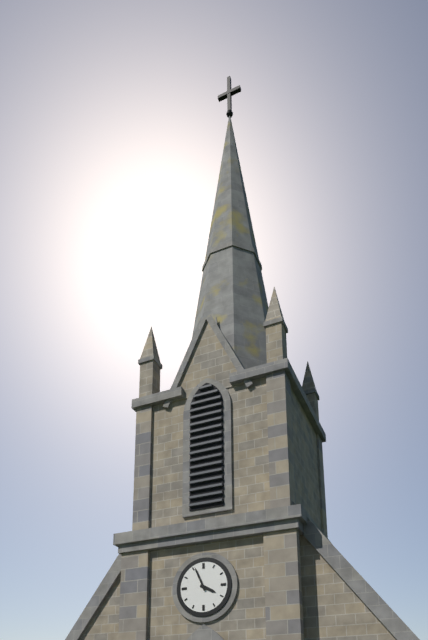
3:56
